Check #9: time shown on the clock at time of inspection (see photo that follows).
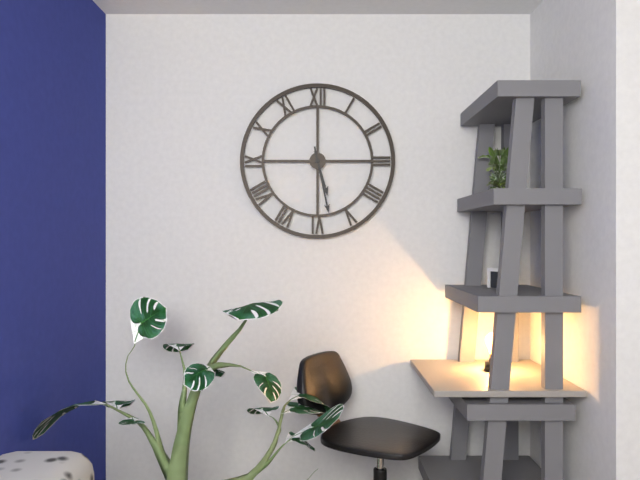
5:28
